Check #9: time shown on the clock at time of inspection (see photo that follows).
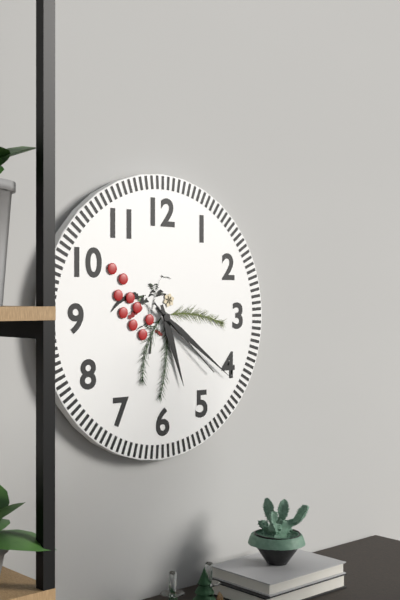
5:21:22
